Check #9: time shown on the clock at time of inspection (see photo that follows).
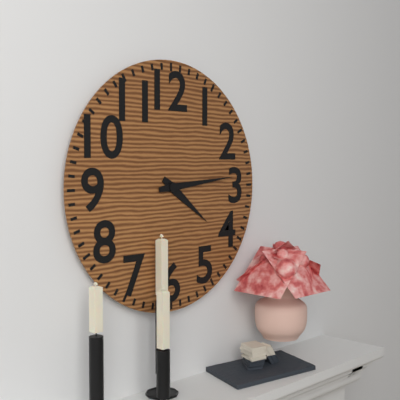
4:14
